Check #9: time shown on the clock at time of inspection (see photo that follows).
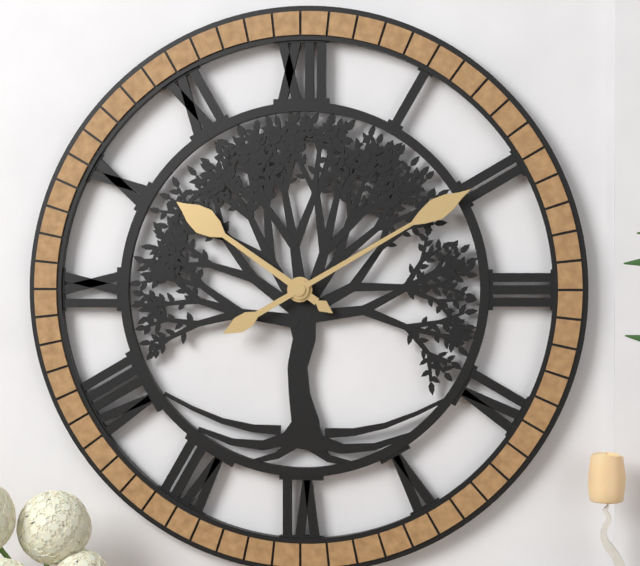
10:10
